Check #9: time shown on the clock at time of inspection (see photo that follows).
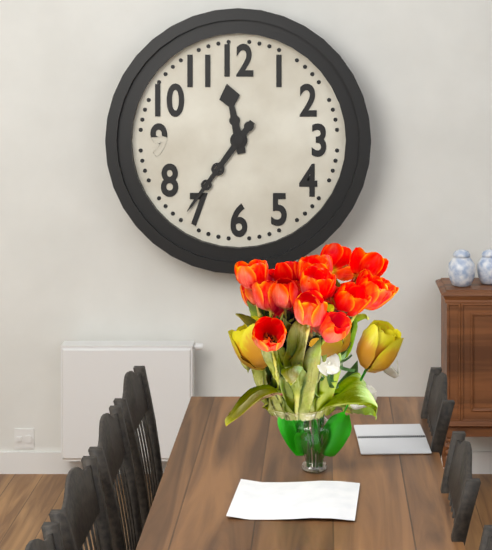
11:36
